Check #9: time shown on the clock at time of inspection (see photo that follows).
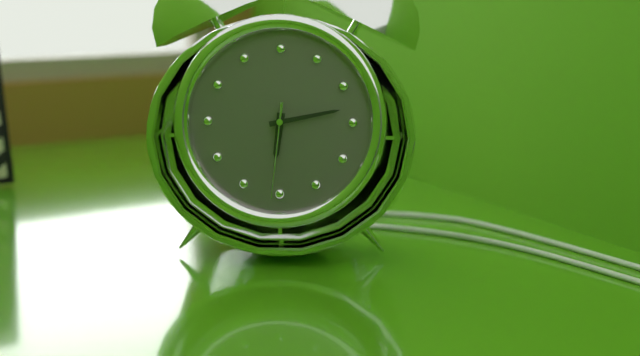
6:13:31
